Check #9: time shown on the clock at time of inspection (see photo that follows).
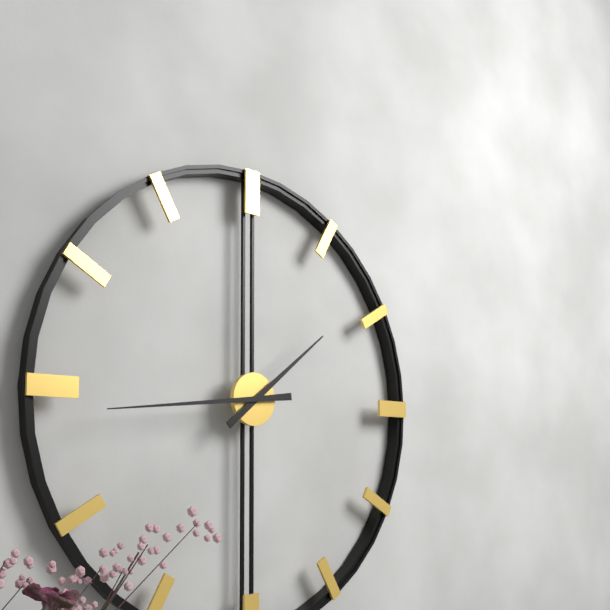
1:44
